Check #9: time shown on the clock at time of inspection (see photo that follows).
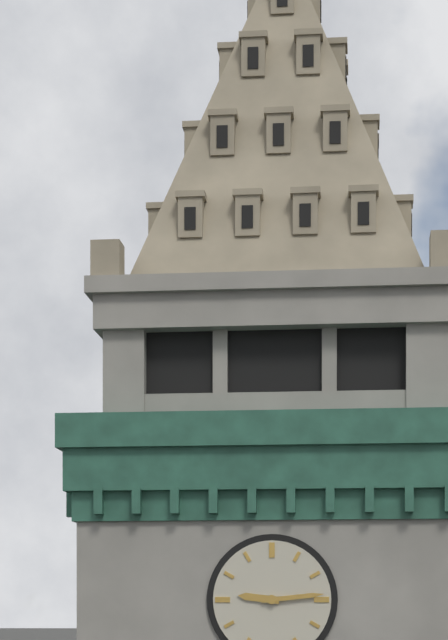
9:14
